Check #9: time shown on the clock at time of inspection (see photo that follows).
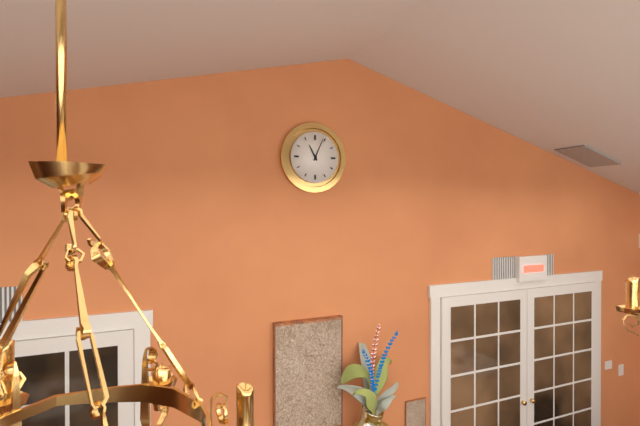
11:04
